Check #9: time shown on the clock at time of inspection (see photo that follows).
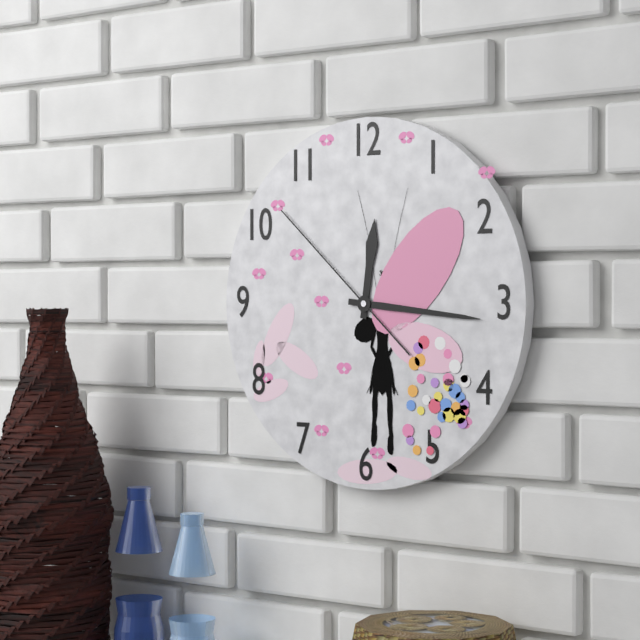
12:16:52
